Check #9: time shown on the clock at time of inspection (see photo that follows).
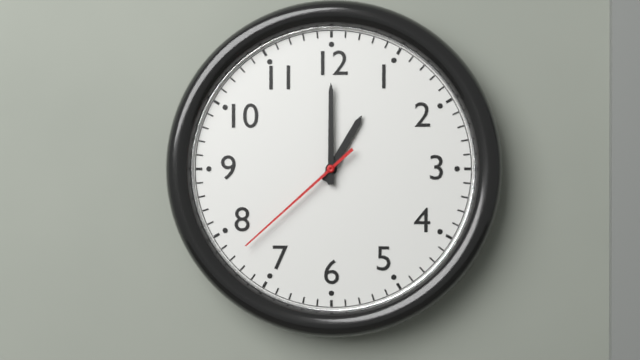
1:00:38
